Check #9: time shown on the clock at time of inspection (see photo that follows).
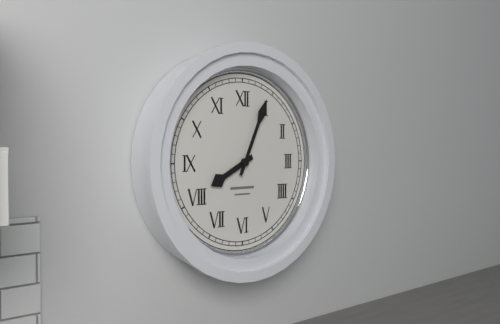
8:04
